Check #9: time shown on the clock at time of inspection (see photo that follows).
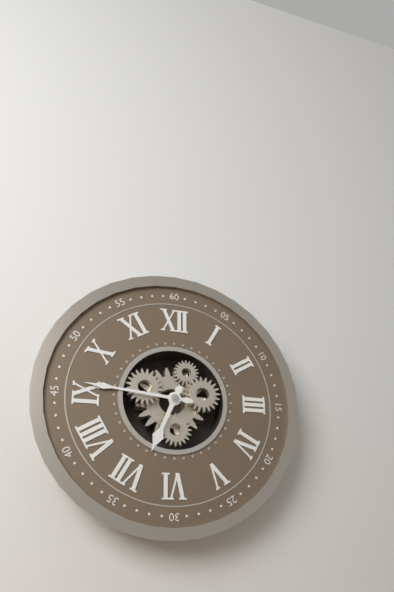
6:46
